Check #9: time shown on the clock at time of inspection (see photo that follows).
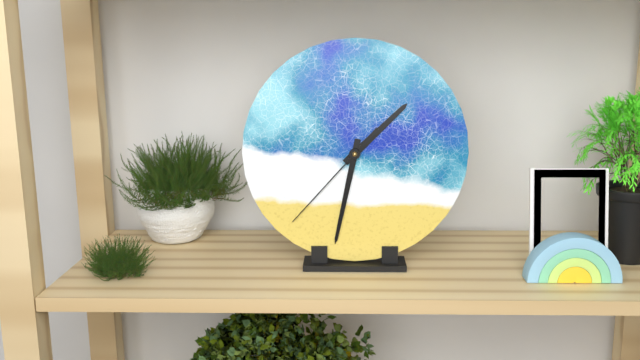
1:32:37
